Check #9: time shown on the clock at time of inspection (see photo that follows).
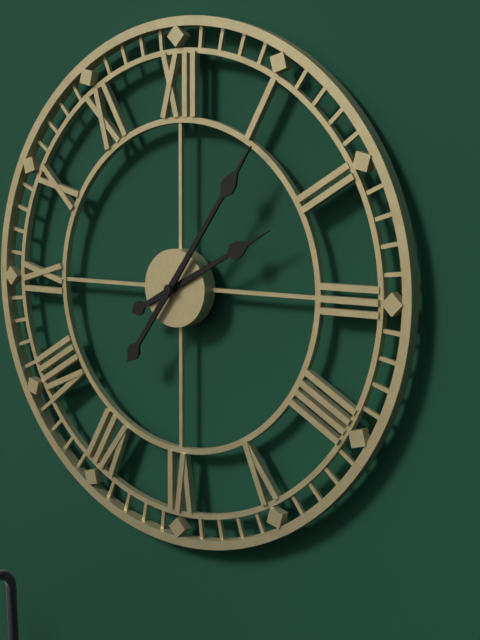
2:06
